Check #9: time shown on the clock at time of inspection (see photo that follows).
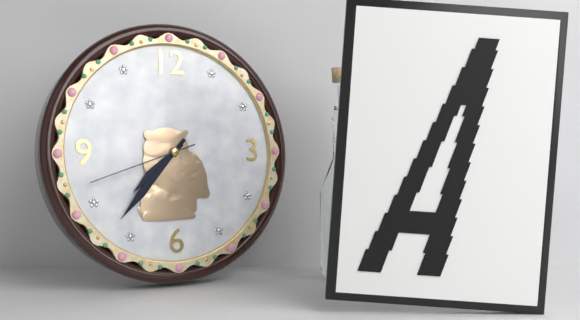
7:37:42
